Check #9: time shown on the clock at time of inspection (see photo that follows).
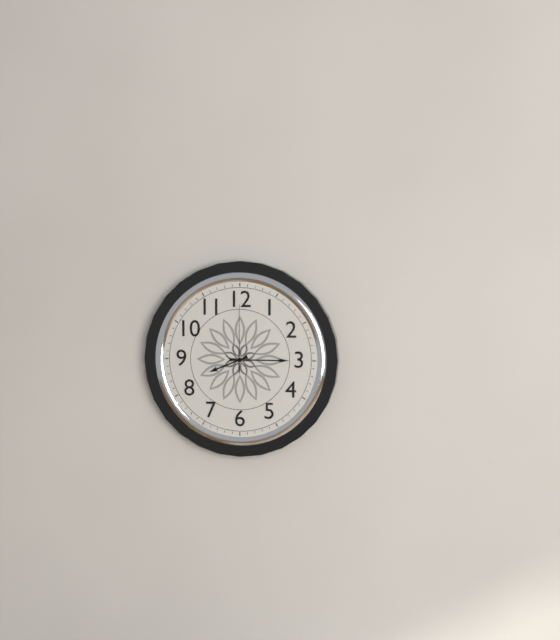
8:15:00
